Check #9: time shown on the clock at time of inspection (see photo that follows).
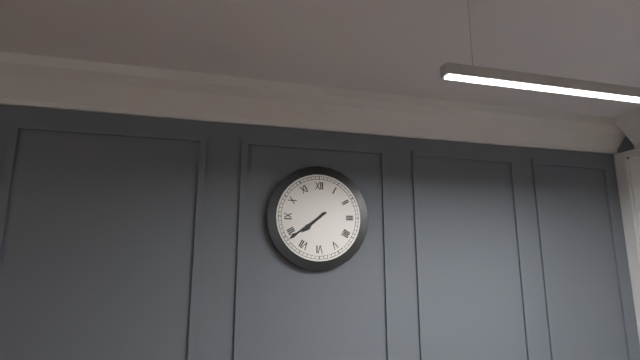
7:39
